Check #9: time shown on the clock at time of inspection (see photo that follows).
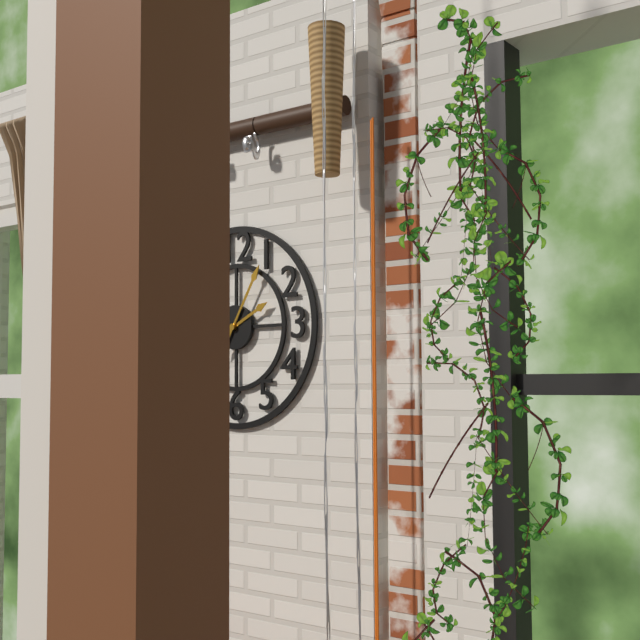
2:05
